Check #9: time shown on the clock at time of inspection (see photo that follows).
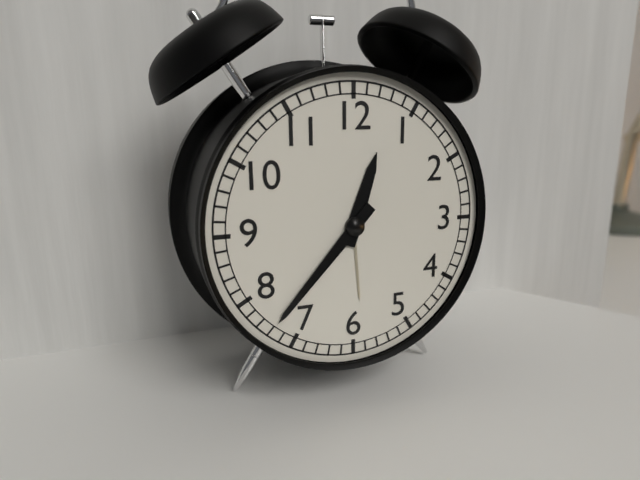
12:37
